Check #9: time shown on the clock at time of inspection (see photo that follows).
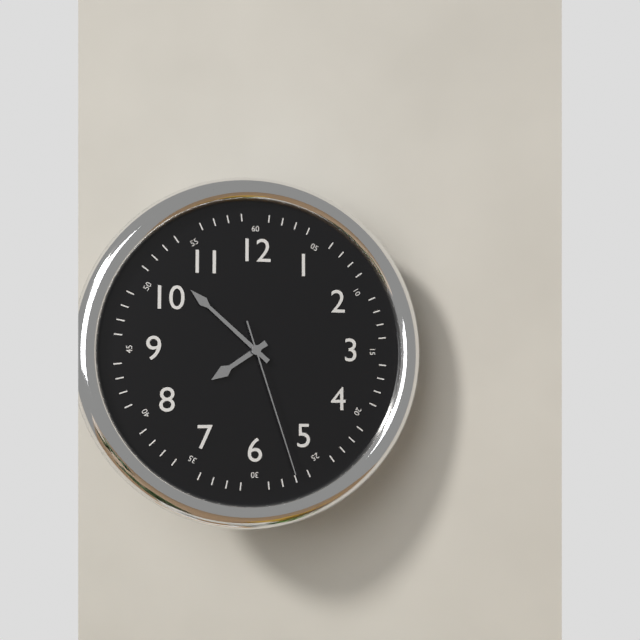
7:52:27
